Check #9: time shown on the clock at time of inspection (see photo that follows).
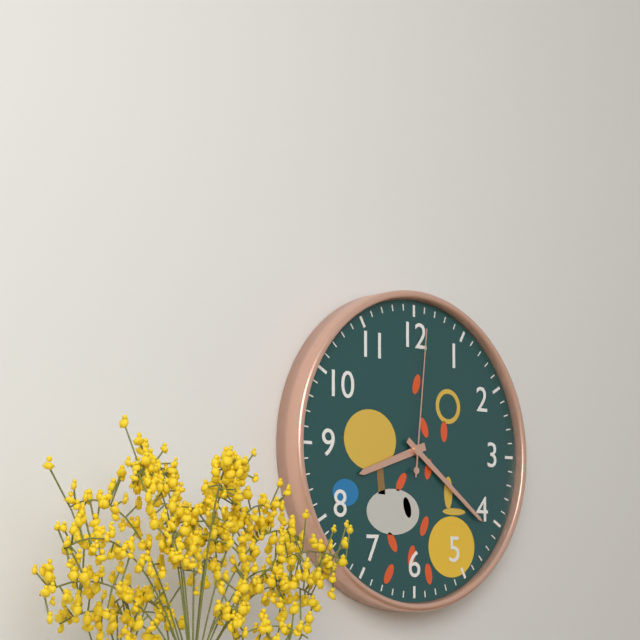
8:21:01
